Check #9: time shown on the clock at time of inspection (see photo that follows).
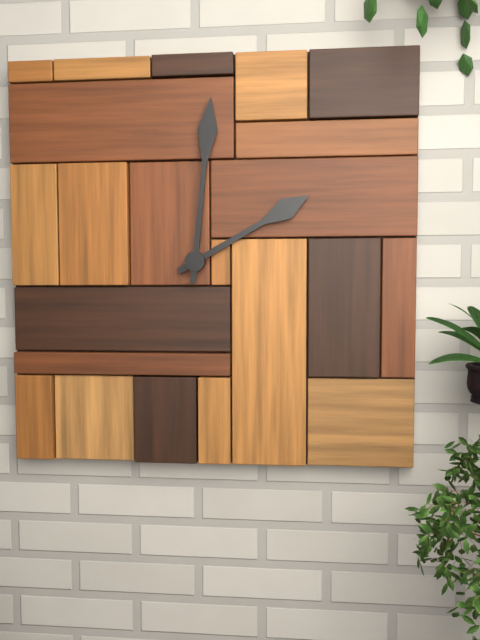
2:01
